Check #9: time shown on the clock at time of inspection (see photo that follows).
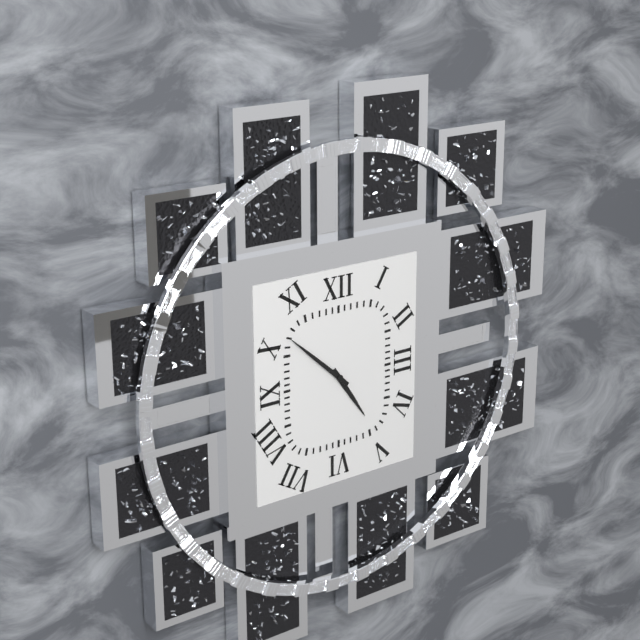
4:52
